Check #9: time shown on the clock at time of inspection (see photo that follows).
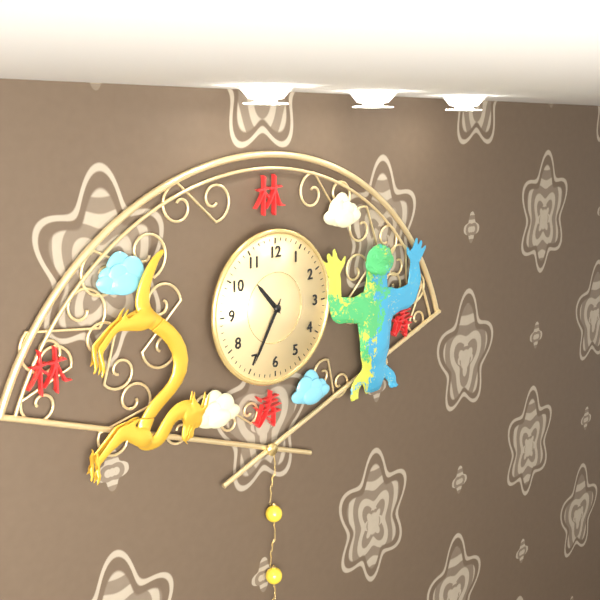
10:35
